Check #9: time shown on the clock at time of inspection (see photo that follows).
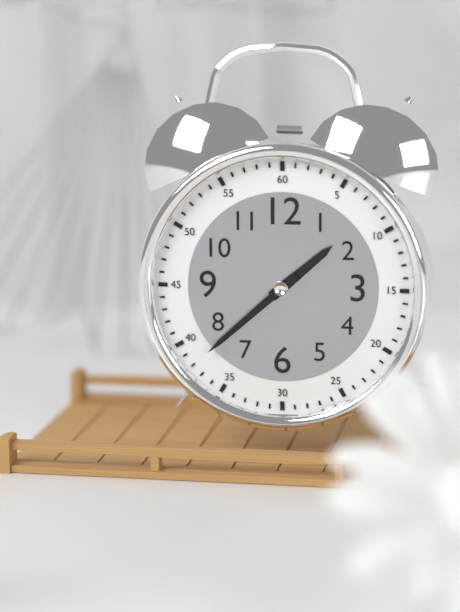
1:38
